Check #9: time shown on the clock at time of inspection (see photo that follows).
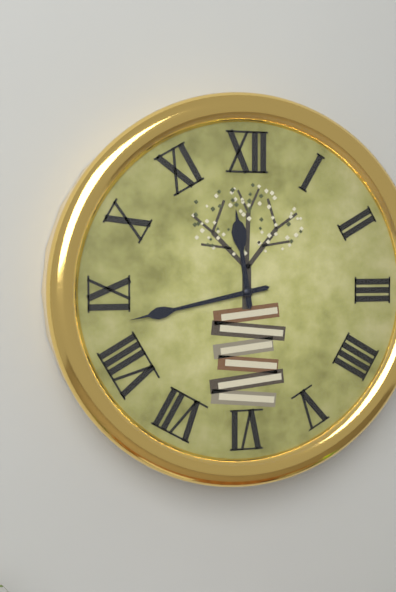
11:43
